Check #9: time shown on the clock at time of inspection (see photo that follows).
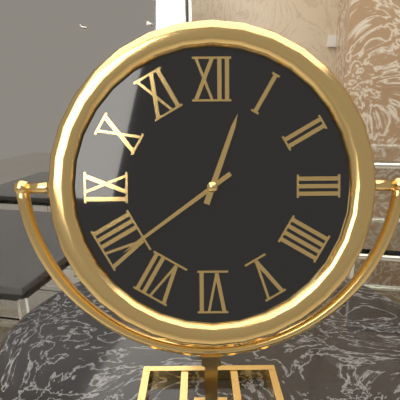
12:39
